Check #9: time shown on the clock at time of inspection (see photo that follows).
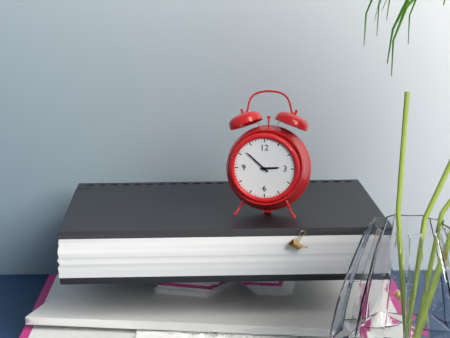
2:52
